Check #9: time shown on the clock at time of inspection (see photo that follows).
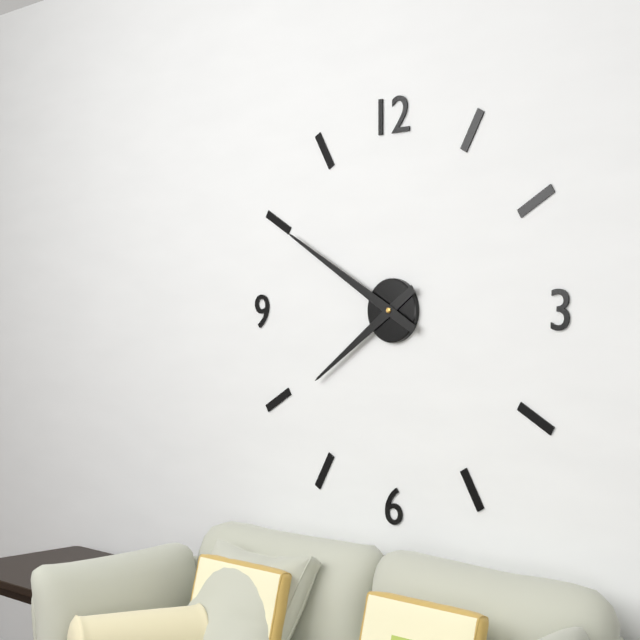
7:50
